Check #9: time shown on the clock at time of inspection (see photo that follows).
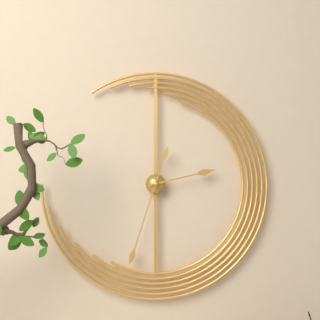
2:33
